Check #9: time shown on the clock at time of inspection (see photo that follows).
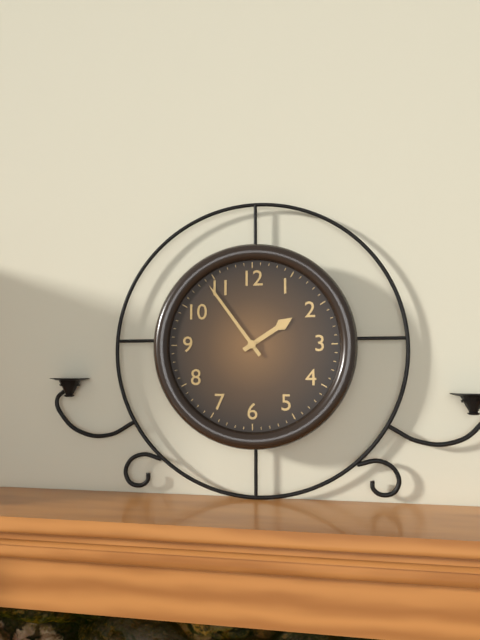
1:54
